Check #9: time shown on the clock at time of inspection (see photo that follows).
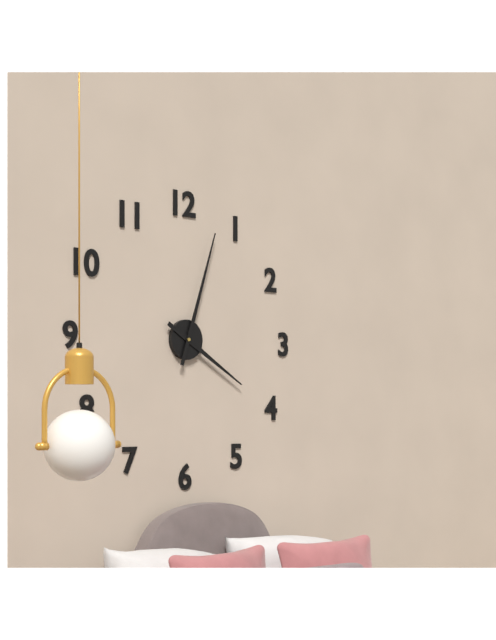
4:03
